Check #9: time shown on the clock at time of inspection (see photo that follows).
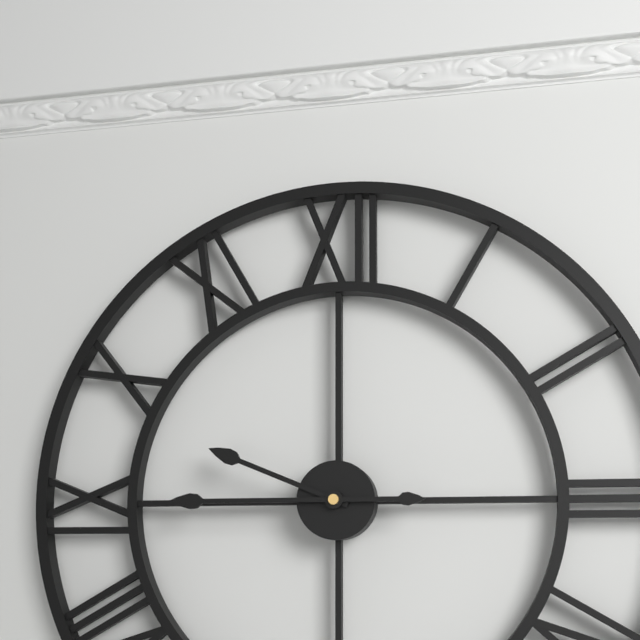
9:45
